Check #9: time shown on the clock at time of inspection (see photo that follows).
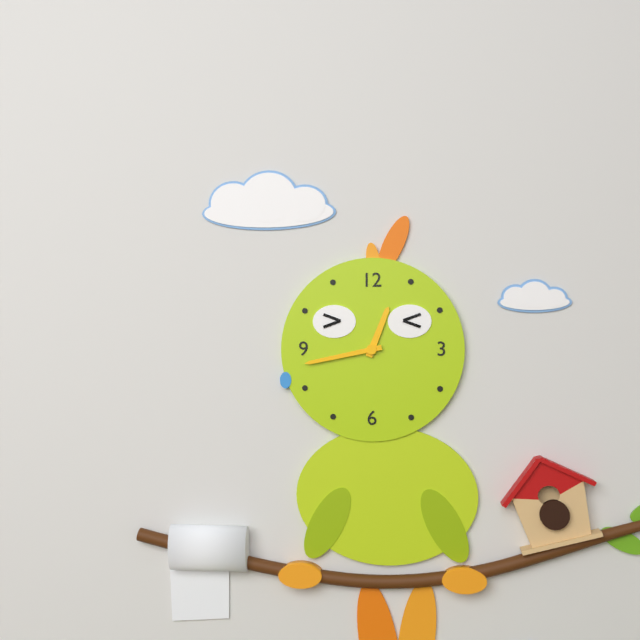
12:43
